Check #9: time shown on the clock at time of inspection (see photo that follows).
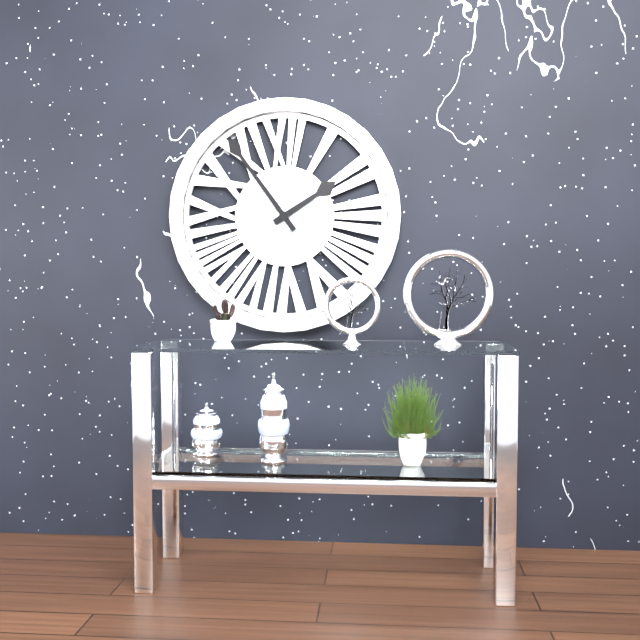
1:54
